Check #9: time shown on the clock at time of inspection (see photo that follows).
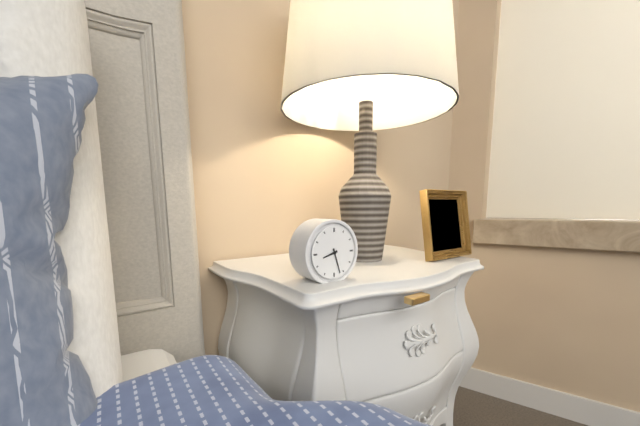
8:27
